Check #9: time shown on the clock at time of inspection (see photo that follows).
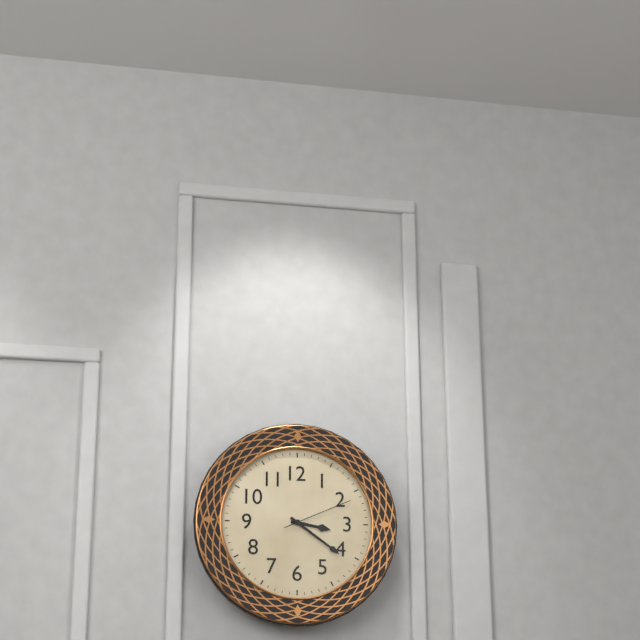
3:21:11
